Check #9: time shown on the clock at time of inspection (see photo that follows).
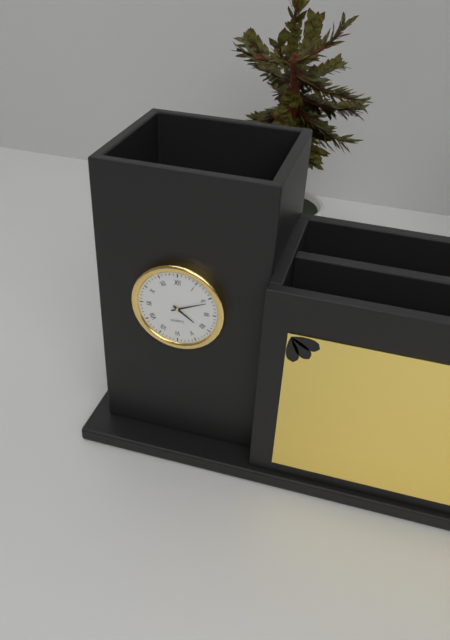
4:11
